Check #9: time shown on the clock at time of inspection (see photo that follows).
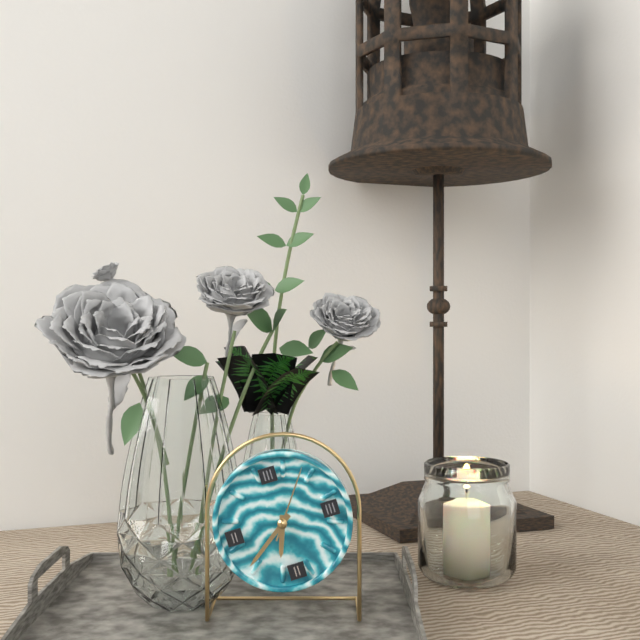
6:39:06
